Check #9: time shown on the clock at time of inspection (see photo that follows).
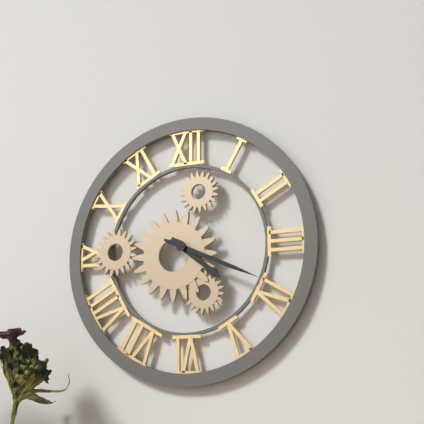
4:19
